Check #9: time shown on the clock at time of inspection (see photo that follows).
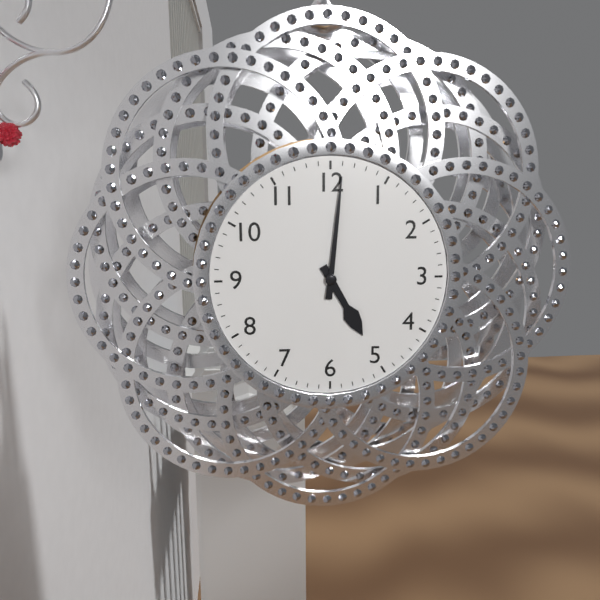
5:01
